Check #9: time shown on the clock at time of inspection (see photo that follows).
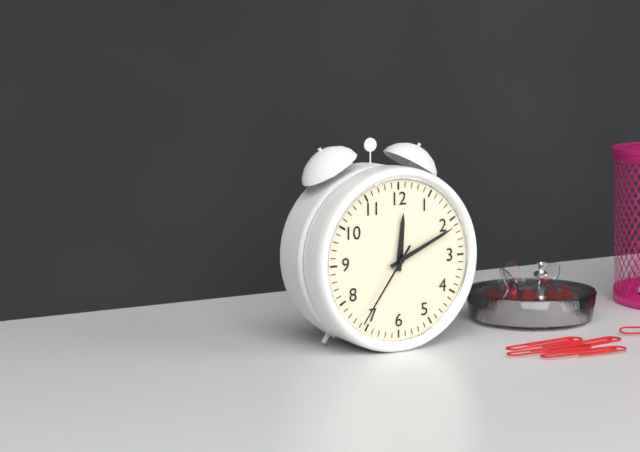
12:11:36
